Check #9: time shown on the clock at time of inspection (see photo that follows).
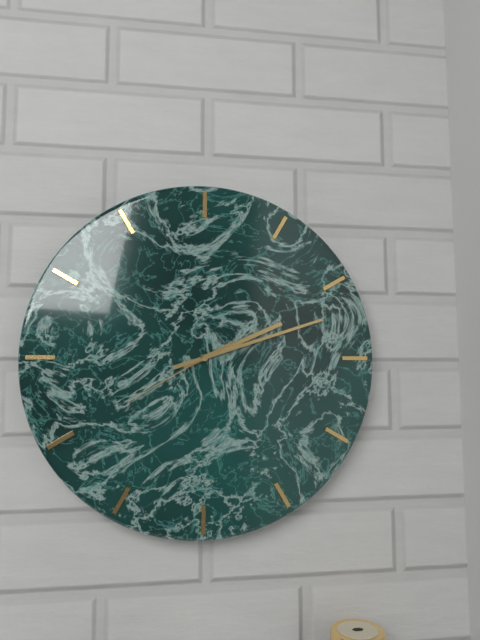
2:12:40
